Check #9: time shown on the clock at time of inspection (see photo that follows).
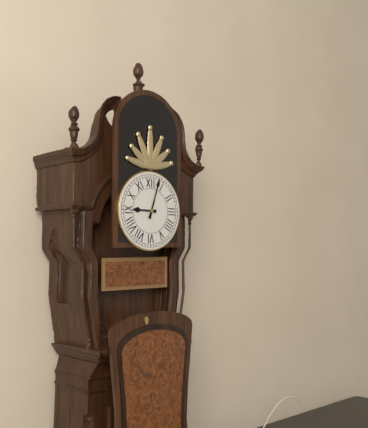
9:03
